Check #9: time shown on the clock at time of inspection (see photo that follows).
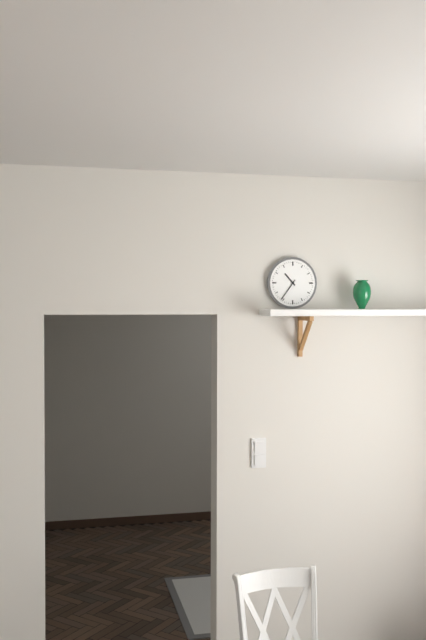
10:36
